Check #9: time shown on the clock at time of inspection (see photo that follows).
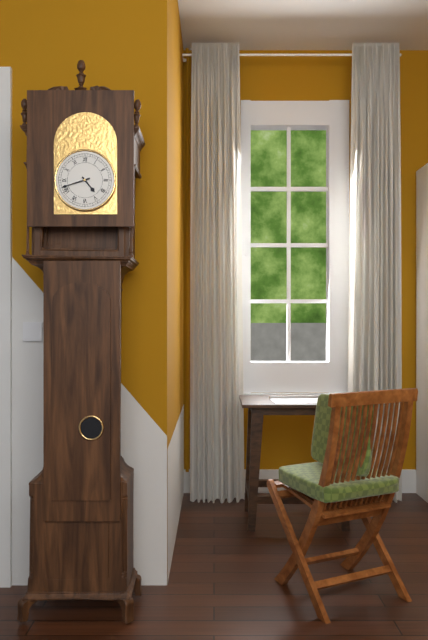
4:42
